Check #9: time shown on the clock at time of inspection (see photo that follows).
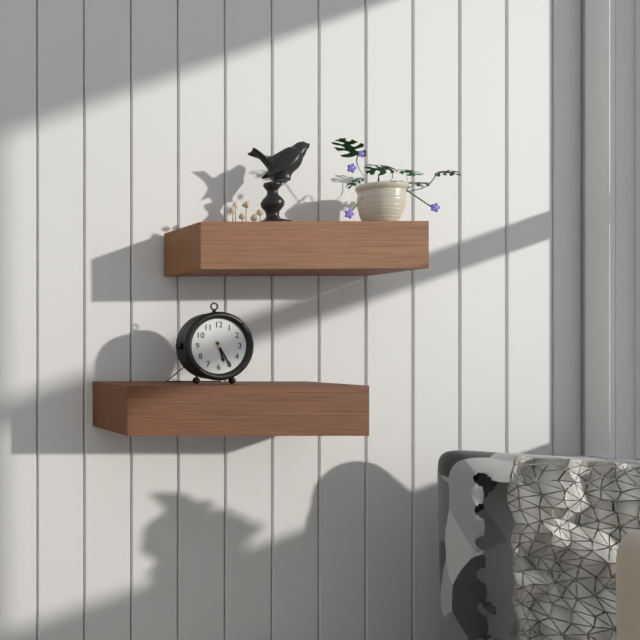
5:25
